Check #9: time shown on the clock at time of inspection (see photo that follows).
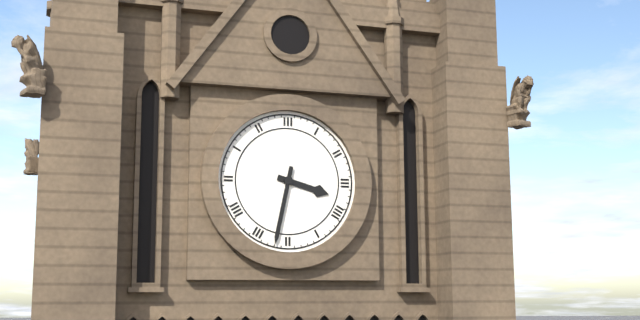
3:32
